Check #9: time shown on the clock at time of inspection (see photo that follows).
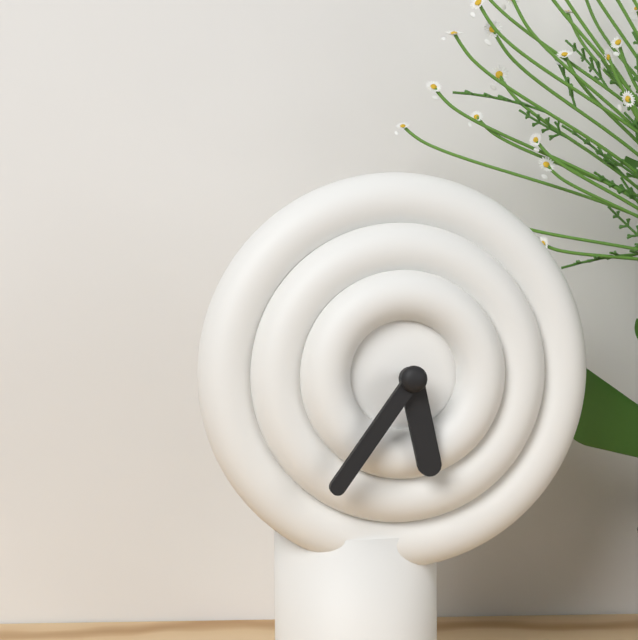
5:36
